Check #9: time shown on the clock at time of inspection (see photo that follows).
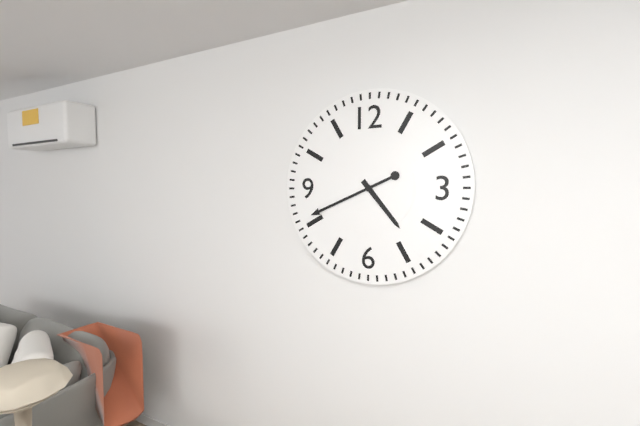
4:41
